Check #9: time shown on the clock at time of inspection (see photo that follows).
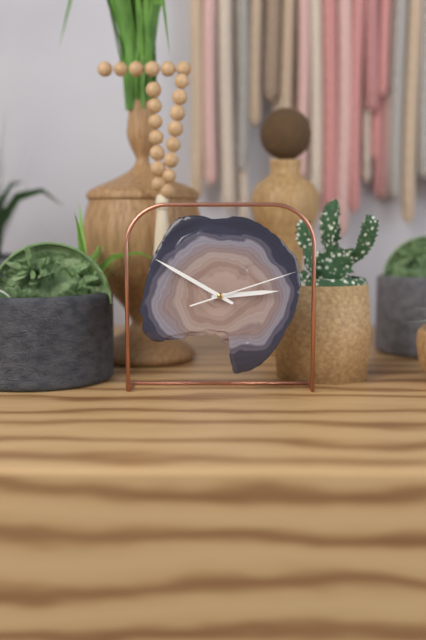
2:50:12
